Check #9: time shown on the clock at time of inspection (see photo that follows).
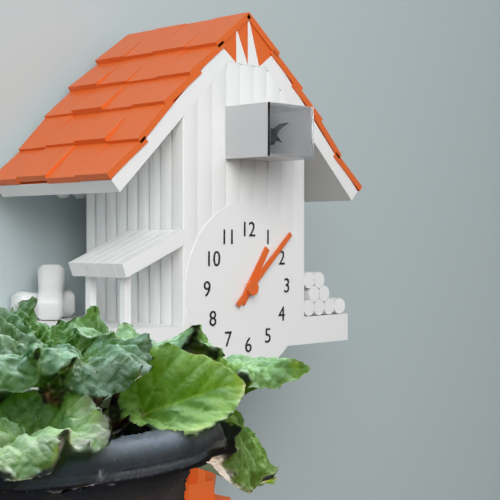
1:08
